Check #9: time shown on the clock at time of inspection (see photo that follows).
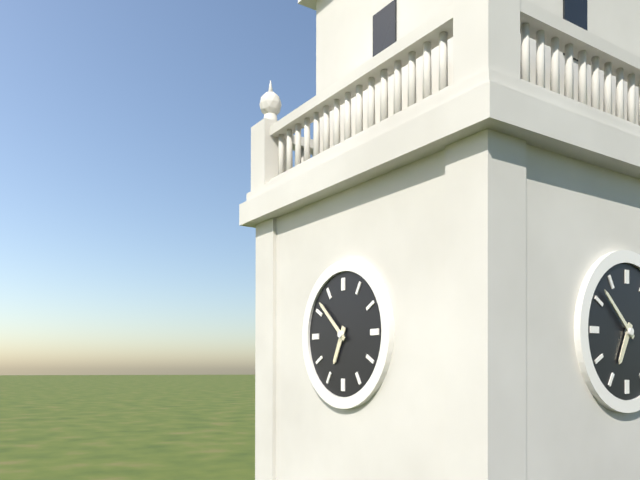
6:52
